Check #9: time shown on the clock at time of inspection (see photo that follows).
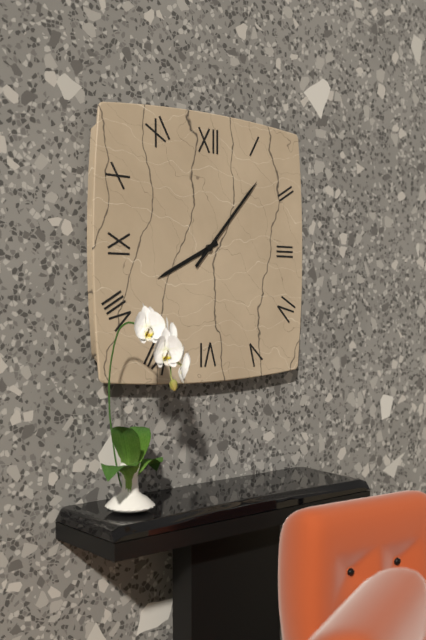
8:07
